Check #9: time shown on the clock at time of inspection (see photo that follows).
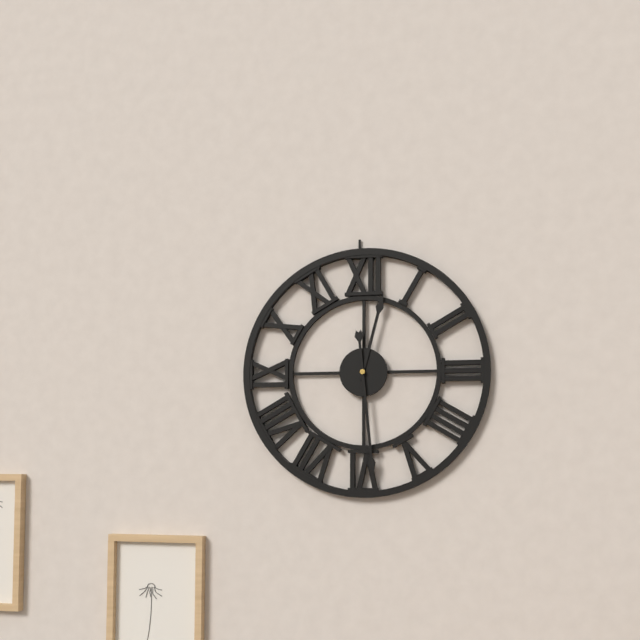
12:29
